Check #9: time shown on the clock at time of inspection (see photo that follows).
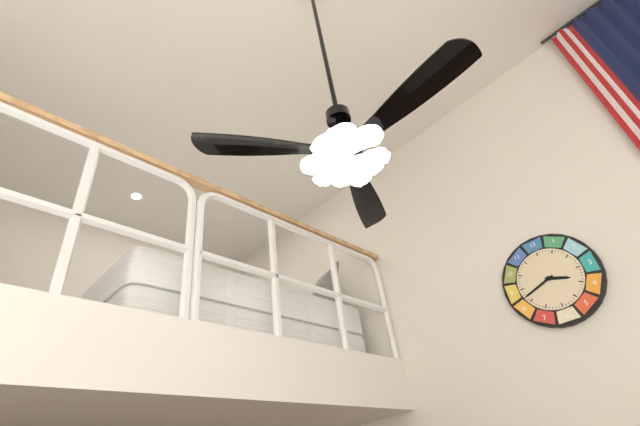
3:42
